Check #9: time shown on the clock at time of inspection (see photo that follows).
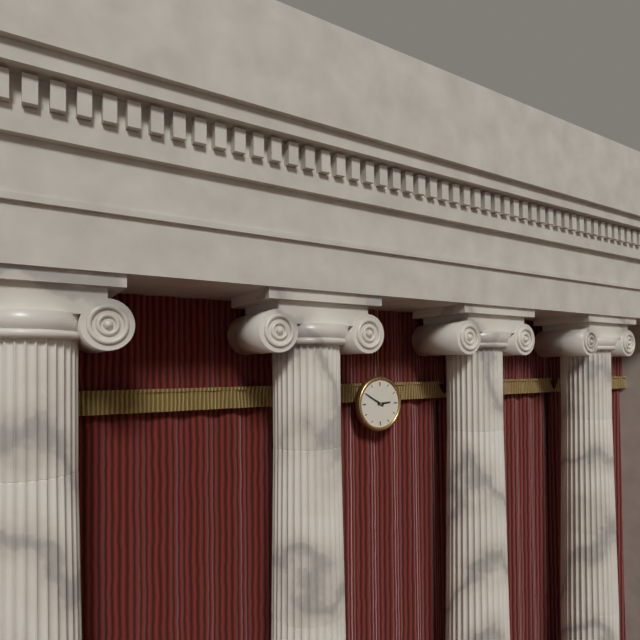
2:50
